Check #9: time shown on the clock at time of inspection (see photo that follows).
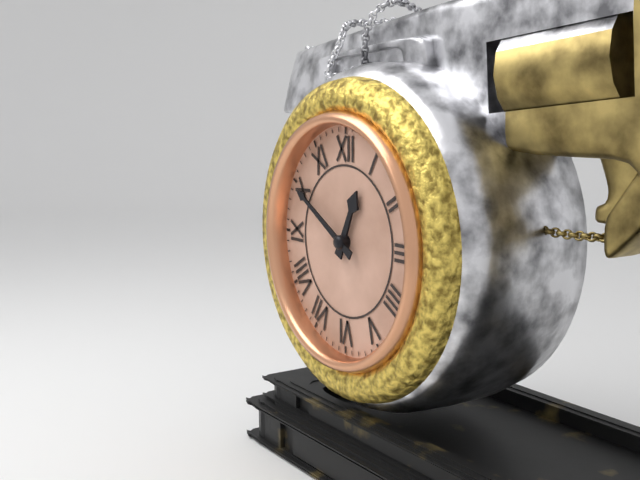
12:50
